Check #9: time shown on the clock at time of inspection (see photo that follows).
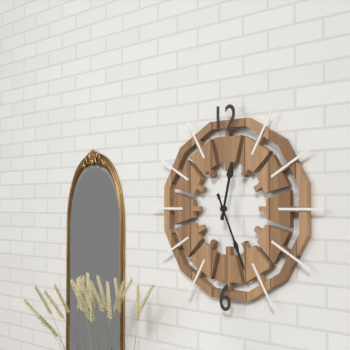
12:26
